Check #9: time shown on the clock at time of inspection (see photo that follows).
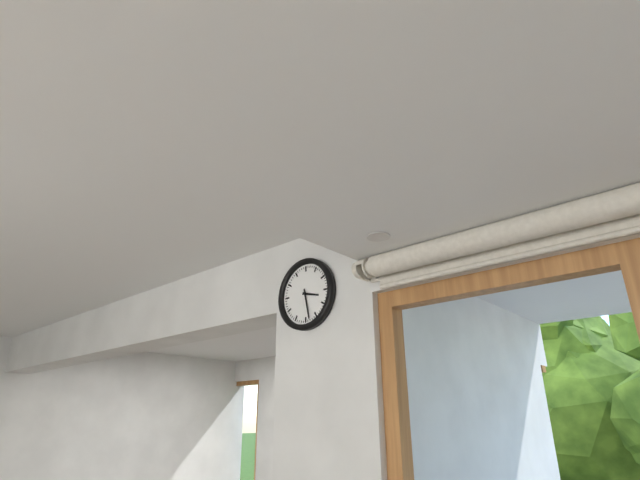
3:28
